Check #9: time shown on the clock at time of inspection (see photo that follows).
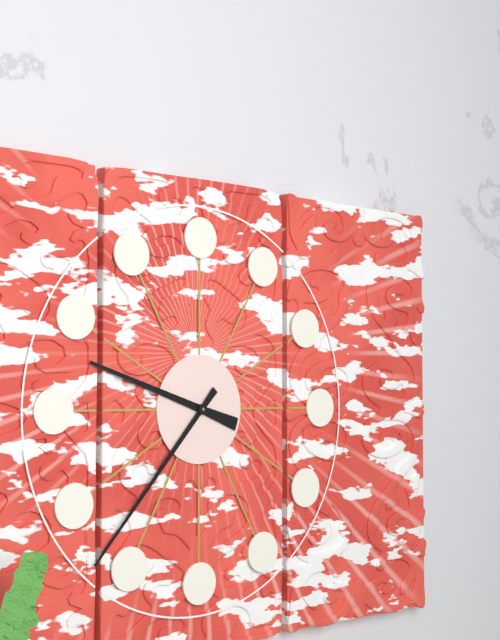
9:37
